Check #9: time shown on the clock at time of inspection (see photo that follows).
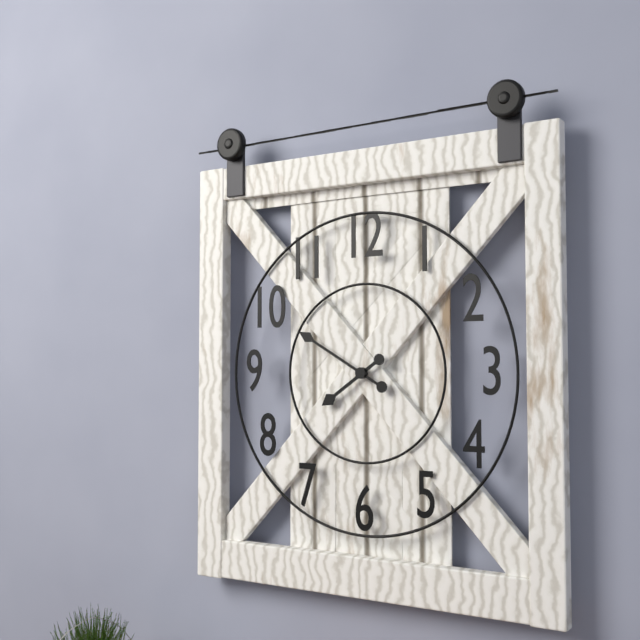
7:50
